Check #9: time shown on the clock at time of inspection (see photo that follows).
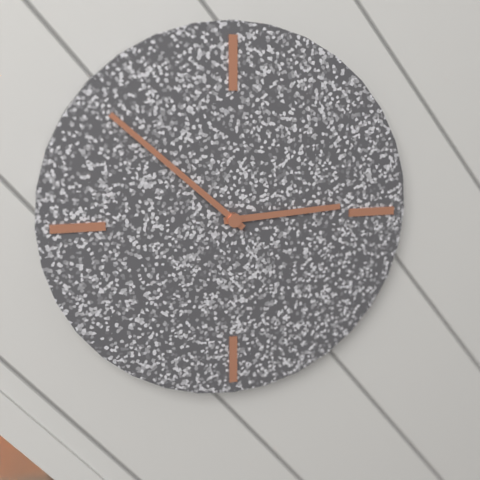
2:52
